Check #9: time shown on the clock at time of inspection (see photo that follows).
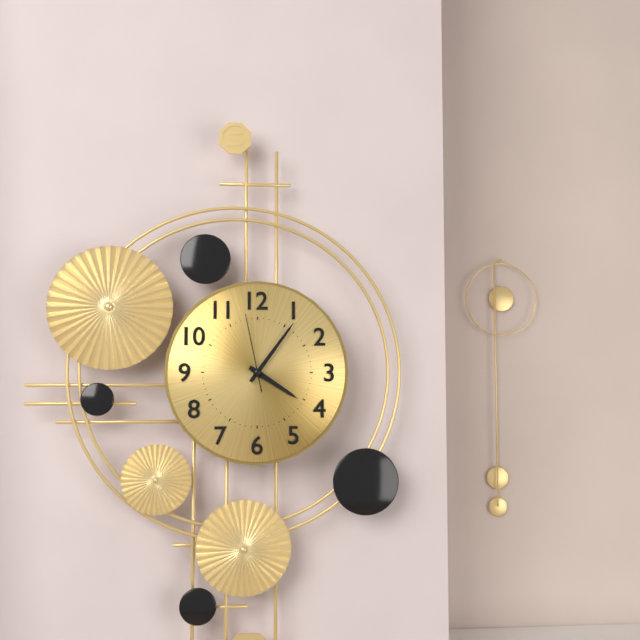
4:06:58
